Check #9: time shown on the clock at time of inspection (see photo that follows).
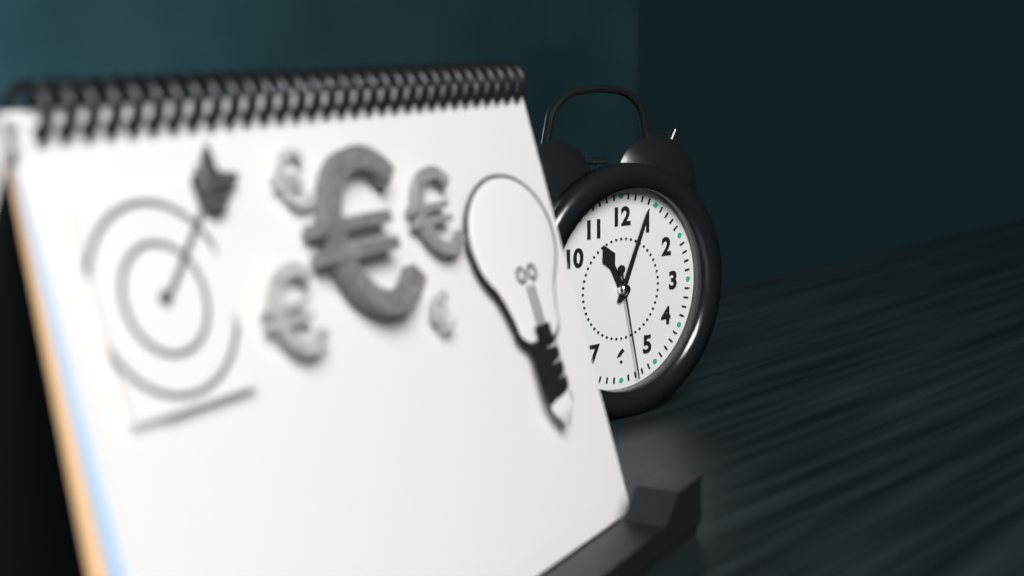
11:04:28
